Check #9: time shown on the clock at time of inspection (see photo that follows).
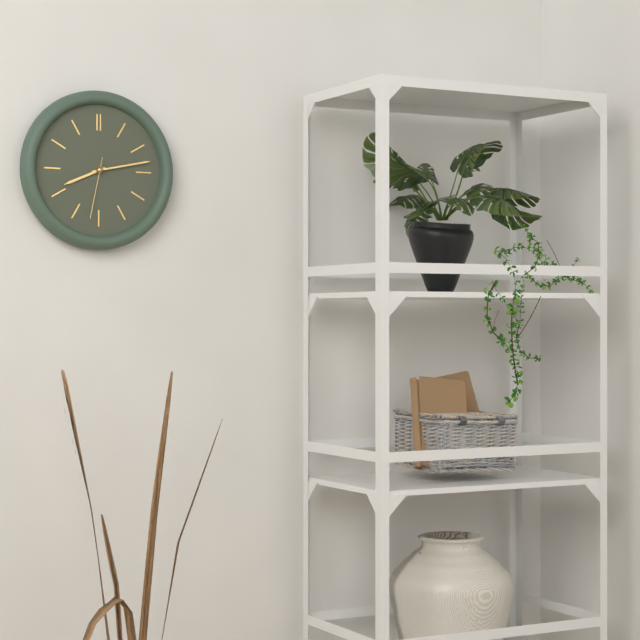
8:13:32
